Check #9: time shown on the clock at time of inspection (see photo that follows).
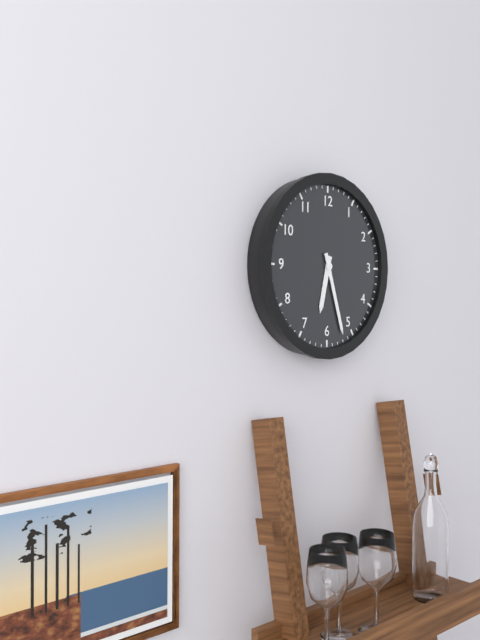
6:27
